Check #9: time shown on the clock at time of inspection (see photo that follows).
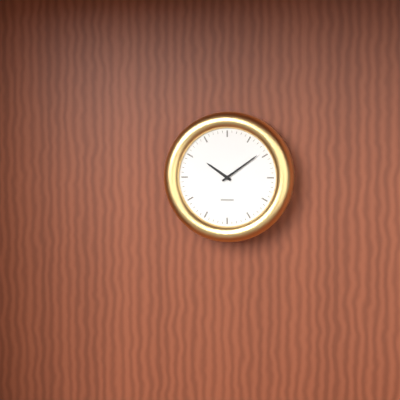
10:09
